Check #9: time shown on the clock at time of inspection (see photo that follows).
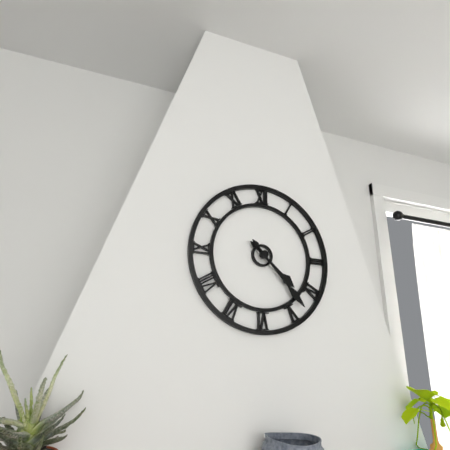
4:23
